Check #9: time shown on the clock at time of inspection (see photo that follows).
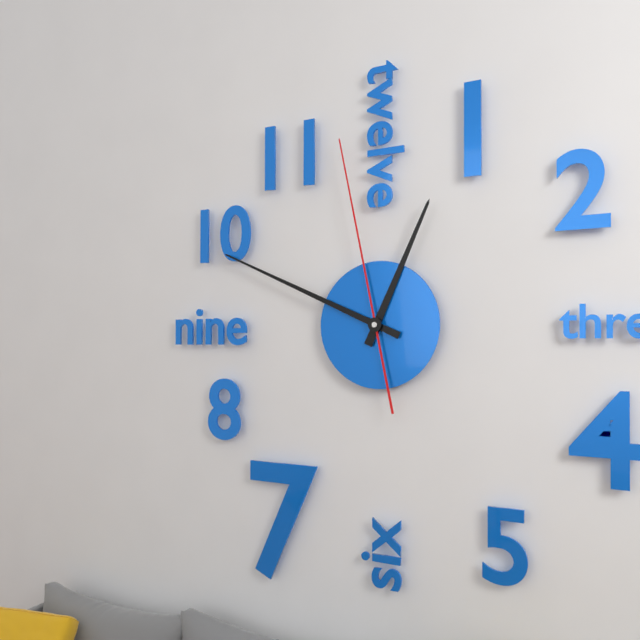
12:49:58
